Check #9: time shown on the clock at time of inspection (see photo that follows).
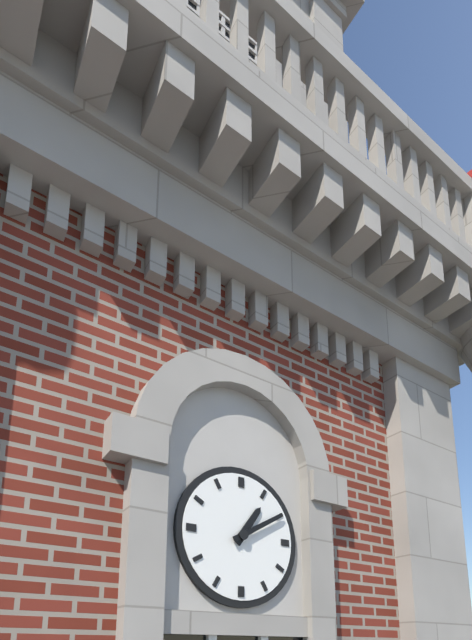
1:10
